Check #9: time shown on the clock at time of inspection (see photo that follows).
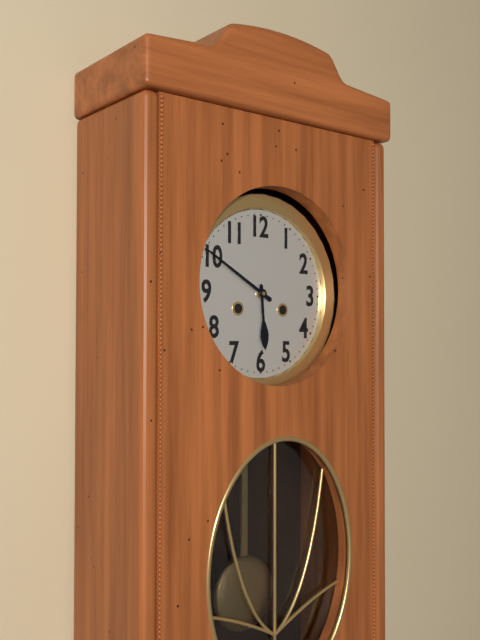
5:50
